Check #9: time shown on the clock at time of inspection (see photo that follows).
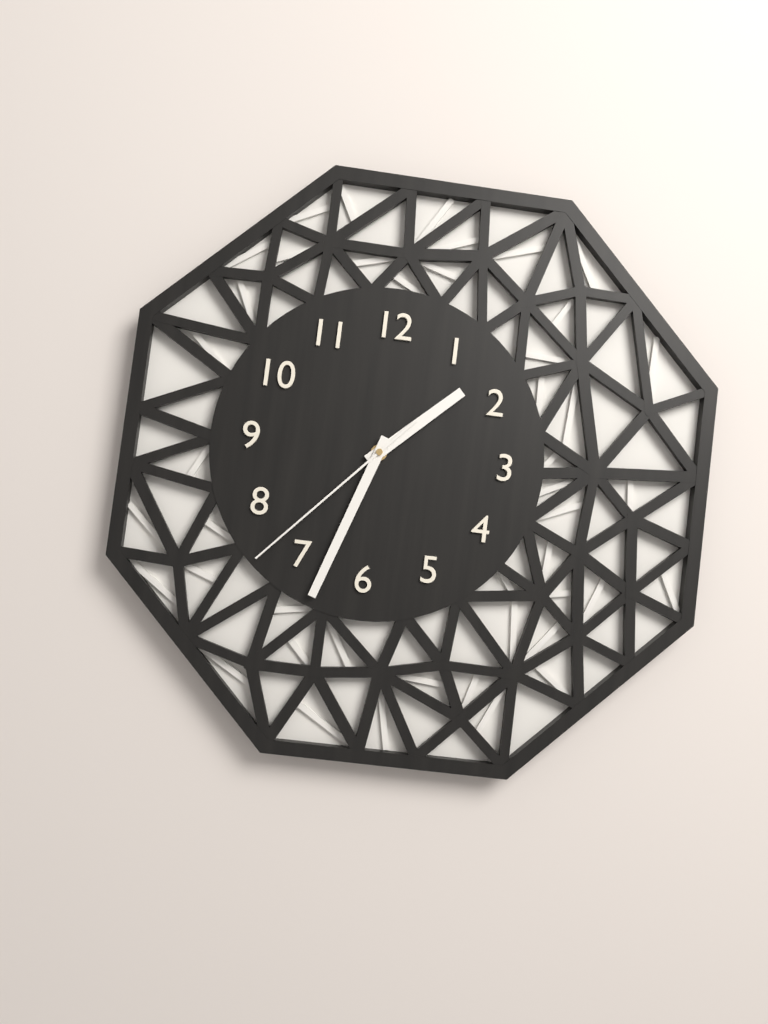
1:33:37
